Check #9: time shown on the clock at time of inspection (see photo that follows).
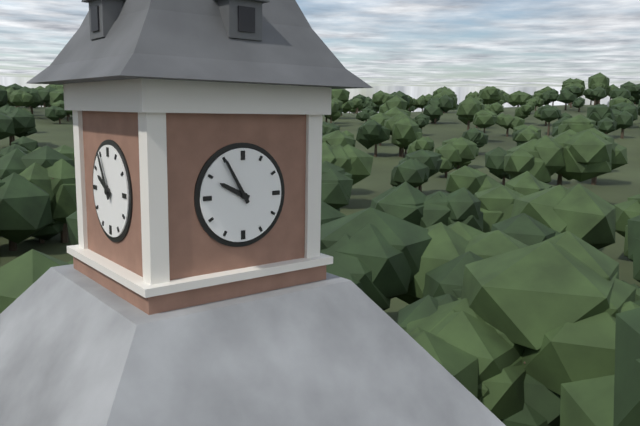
9:55
